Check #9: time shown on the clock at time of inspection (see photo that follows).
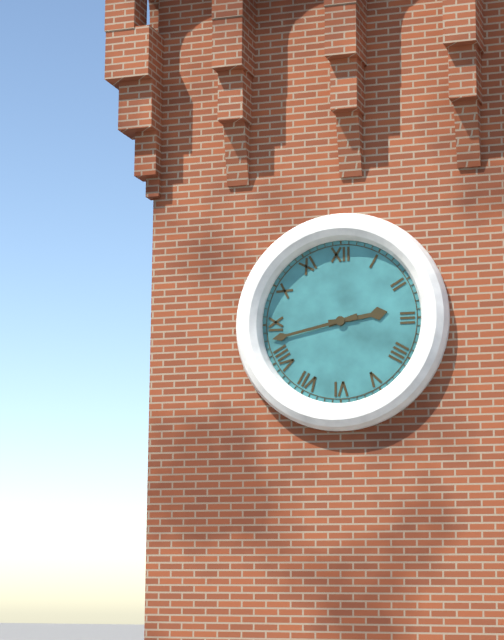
2:43
